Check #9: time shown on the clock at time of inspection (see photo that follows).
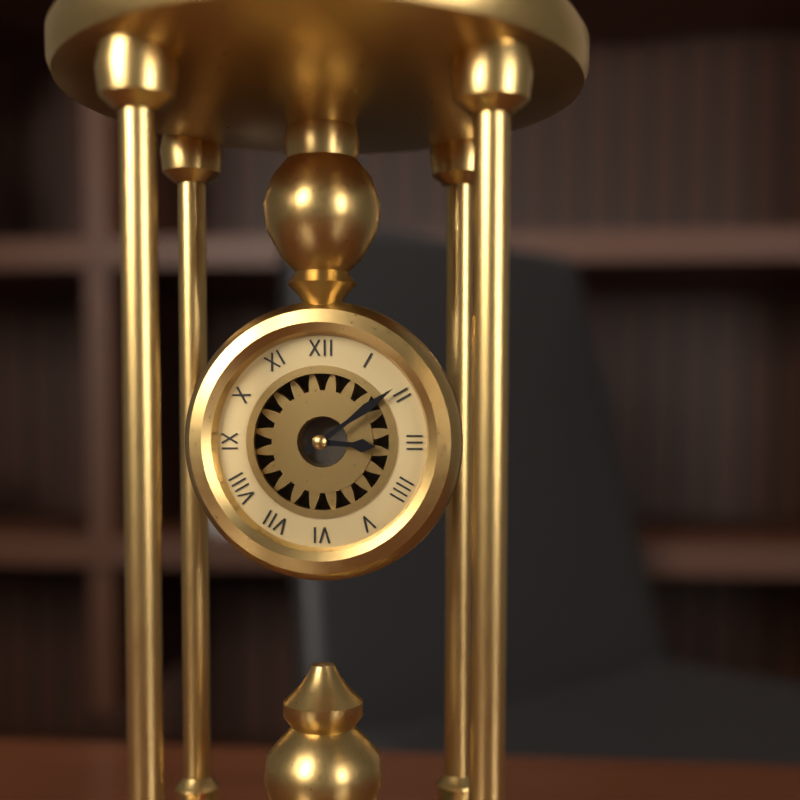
3:09
